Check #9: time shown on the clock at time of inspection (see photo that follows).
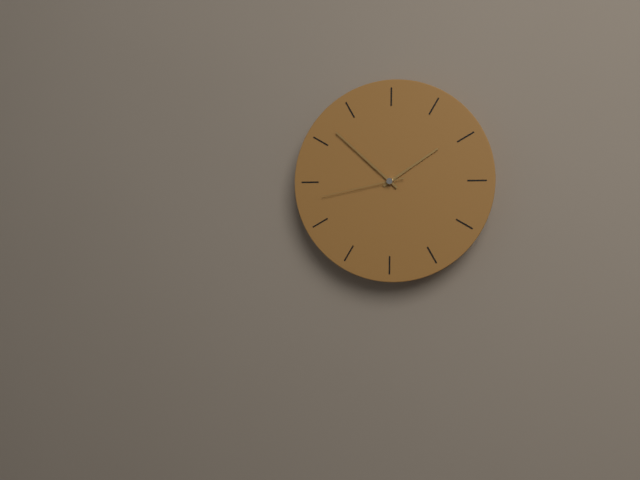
1:52:43
